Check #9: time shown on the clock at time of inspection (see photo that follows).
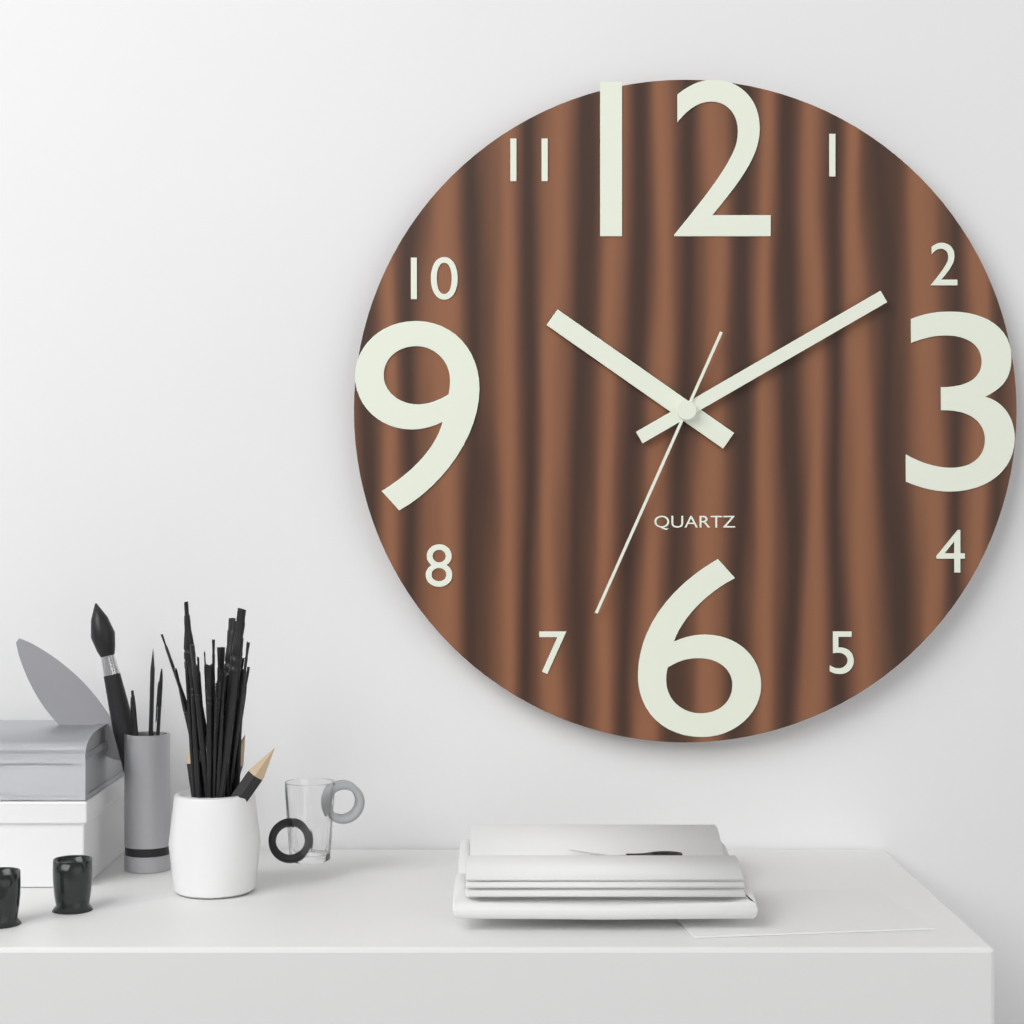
10:10:34
